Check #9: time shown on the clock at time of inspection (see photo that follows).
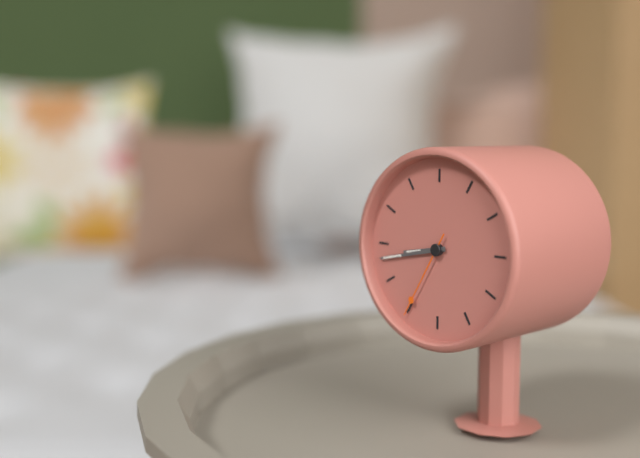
8:43:35
